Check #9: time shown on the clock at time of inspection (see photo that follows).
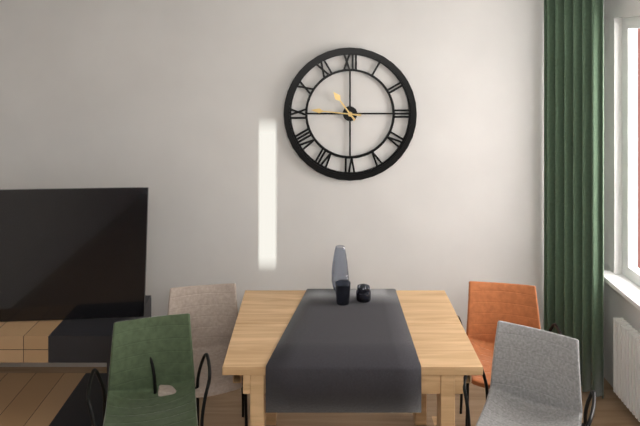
10:46
